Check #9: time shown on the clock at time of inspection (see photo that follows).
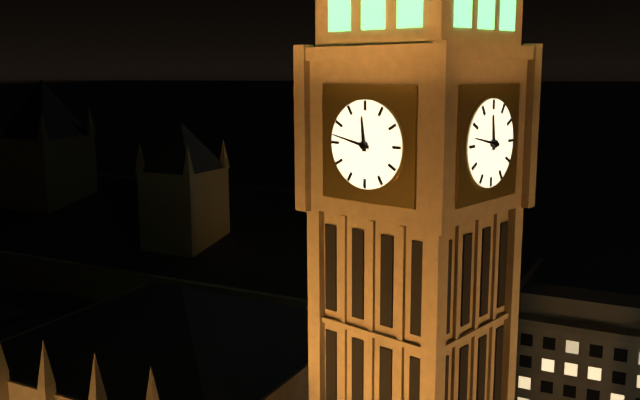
11:47
